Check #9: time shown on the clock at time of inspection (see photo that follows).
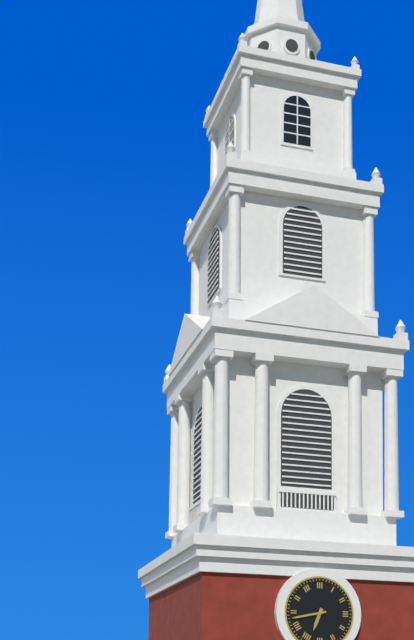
6:43
